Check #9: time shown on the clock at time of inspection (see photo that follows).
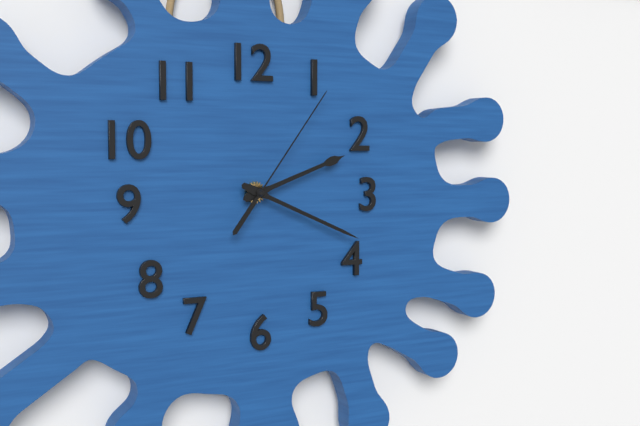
2:19:06
